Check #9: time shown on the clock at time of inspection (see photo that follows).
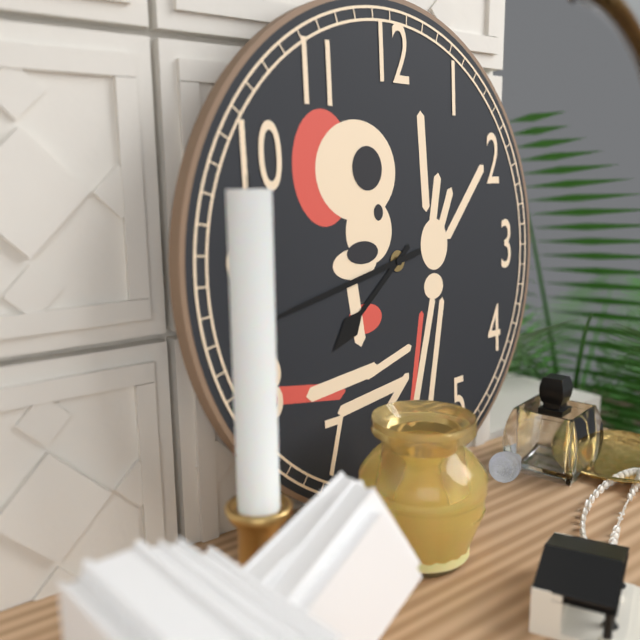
7:43
